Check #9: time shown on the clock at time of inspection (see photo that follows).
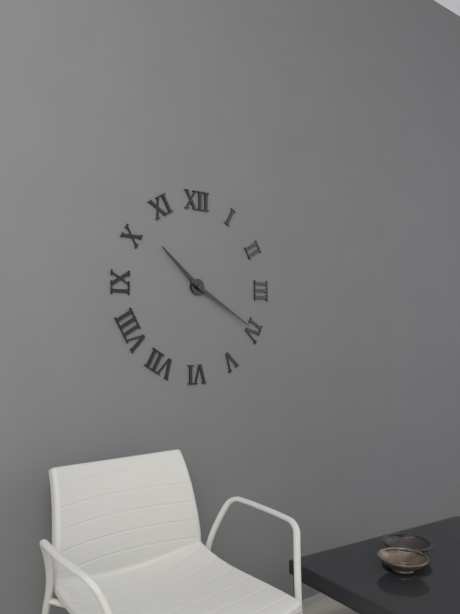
10:20
